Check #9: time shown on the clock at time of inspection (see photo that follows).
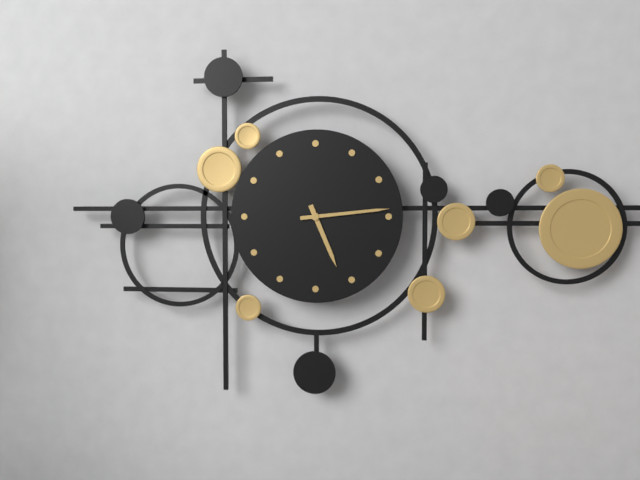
5:14
